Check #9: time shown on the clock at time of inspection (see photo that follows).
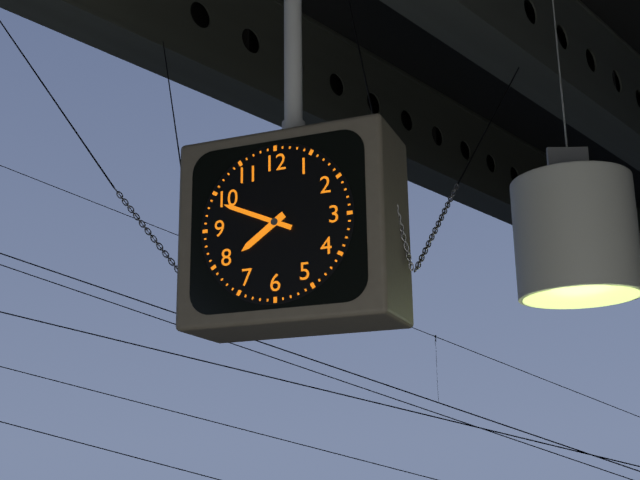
7:49
